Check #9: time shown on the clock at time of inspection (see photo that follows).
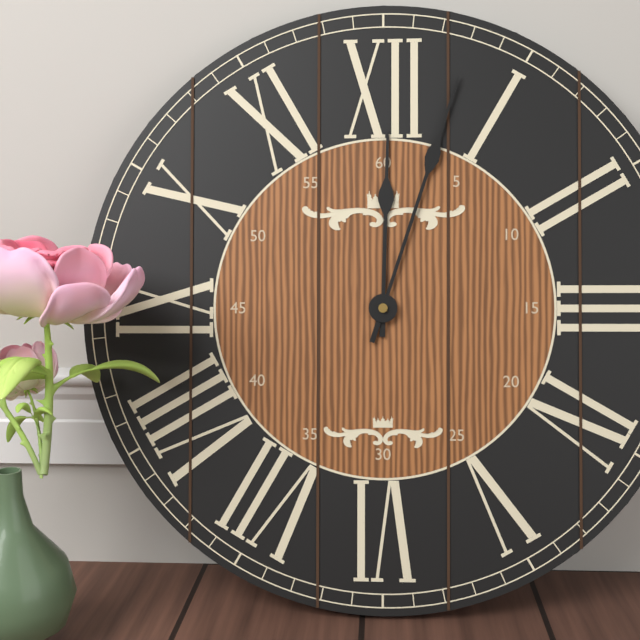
12:03
